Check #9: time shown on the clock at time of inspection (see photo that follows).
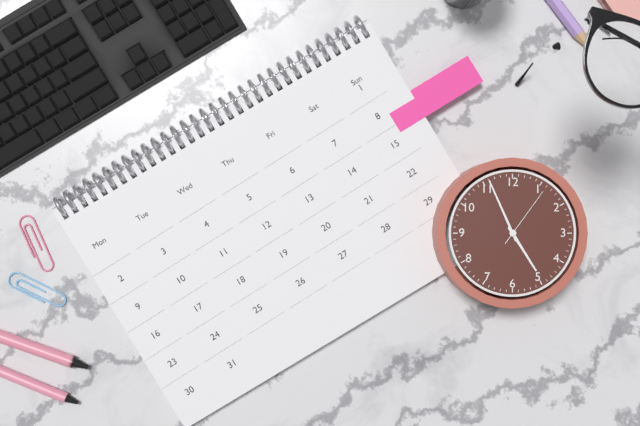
4:56:06
